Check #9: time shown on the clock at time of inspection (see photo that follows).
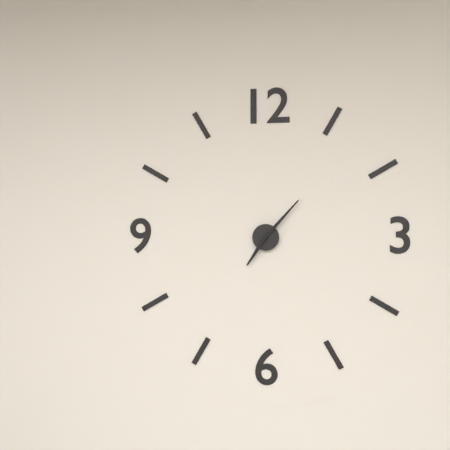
7:07
